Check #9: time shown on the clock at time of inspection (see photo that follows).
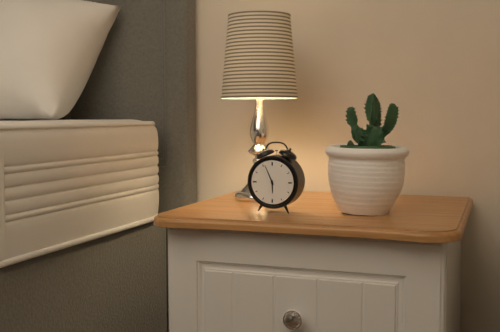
5:56
